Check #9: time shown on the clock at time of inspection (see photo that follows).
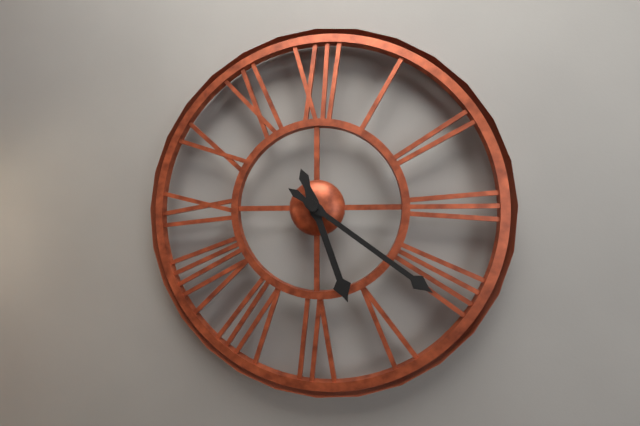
5:21
